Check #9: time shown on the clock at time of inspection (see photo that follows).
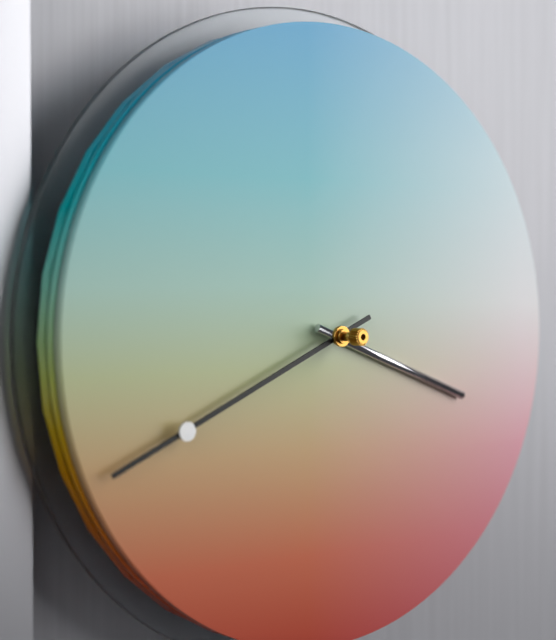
3:41
